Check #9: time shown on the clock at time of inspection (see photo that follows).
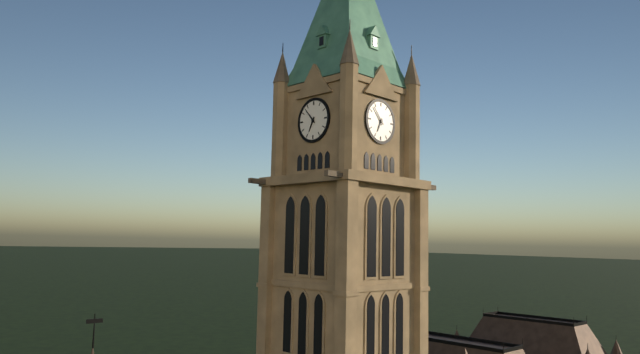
6:53
